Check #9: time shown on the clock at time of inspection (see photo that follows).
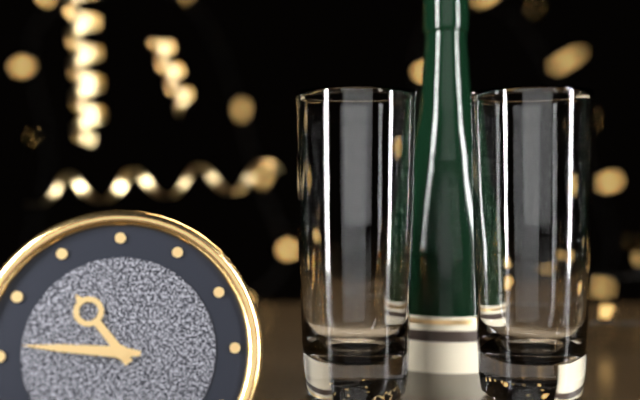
10:46
